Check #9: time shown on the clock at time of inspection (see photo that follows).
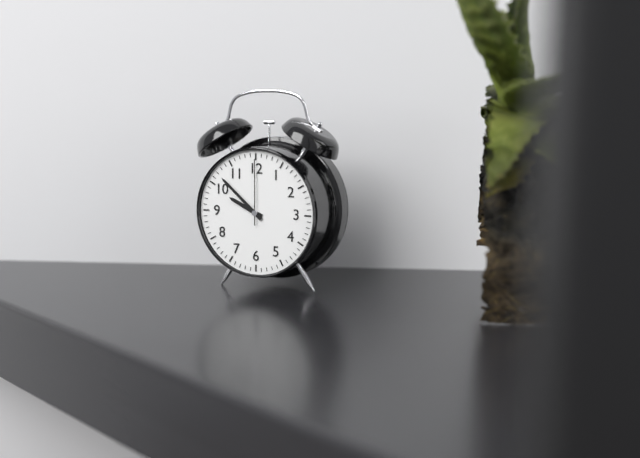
9:52:00
